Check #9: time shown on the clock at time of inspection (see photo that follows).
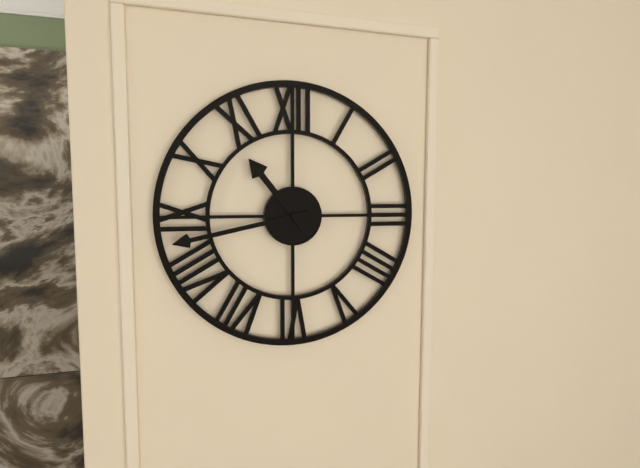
10:43
